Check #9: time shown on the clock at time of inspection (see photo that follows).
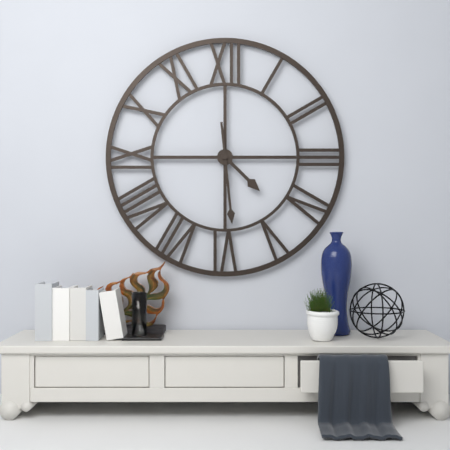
4:29
